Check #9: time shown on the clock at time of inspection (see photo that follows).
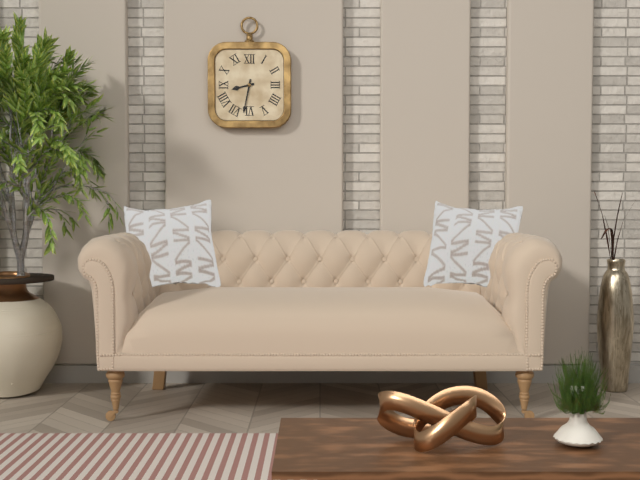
8:32
